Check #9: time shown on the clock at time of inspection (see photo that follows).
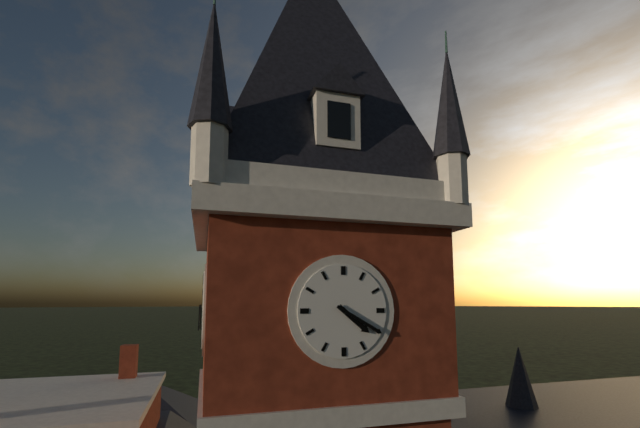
4:20
